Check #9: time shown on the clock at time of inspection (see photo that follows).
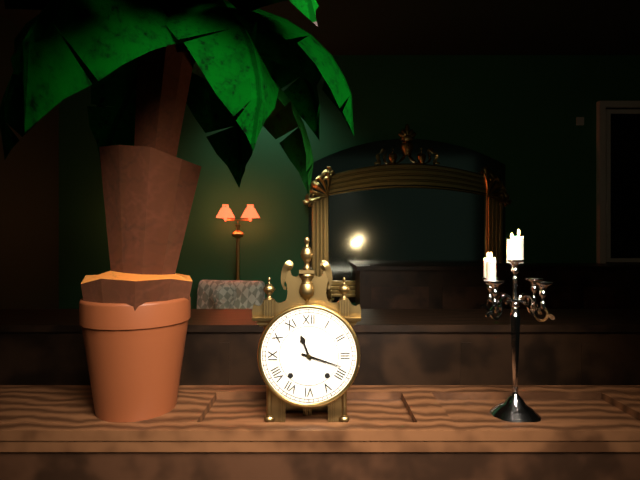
11:18
